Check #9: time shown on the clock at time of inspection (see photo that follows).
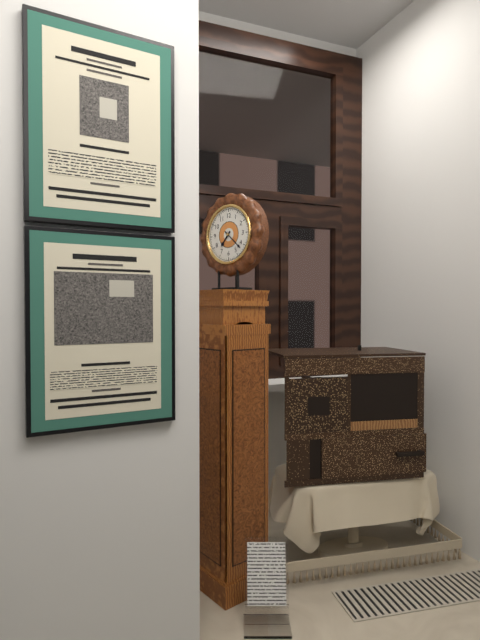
7:22
